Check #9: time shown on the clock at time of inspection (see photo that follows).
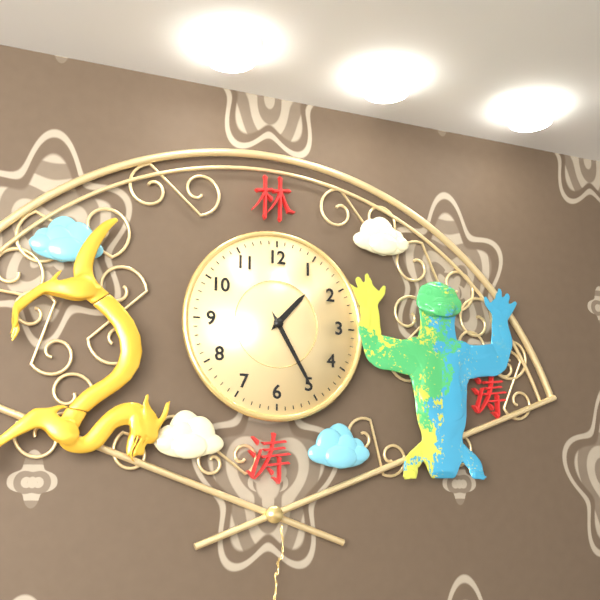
1:25
